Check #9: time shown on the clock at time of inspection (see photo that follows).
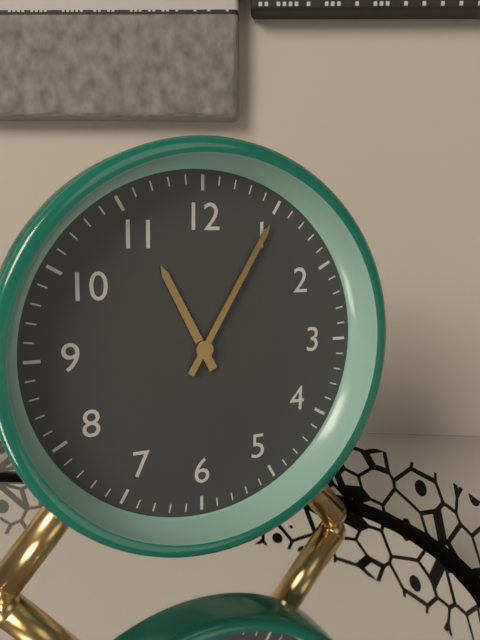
11:05
